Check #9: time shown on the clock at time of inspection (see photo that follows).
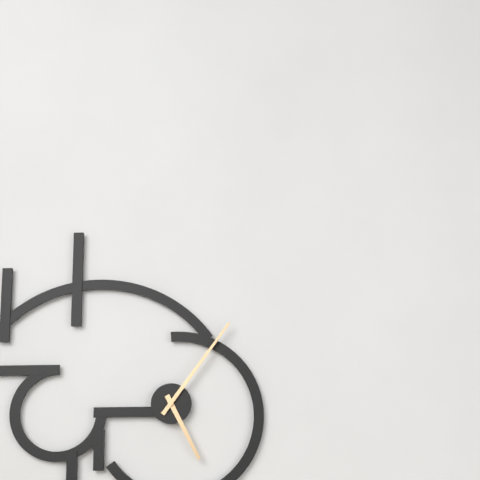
5:06
